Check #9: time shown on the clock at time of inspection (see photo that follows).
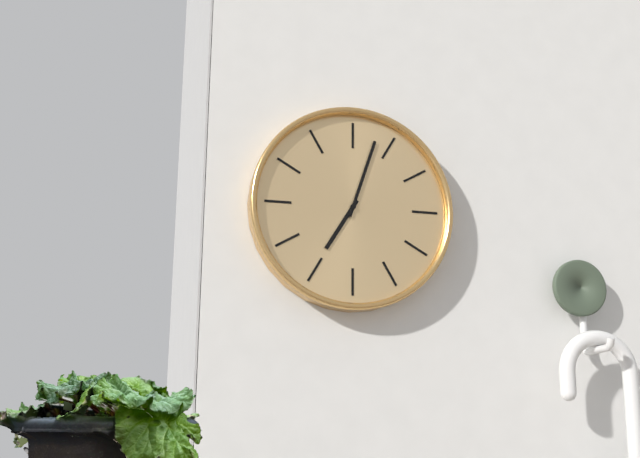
7:03
